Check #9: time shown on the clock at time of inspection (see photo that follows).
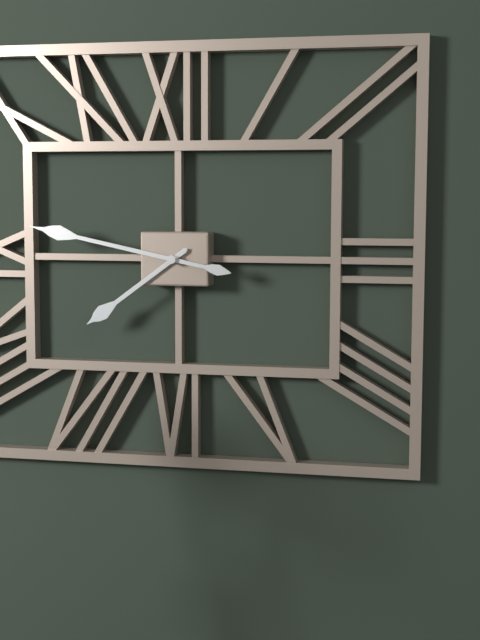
7:47
